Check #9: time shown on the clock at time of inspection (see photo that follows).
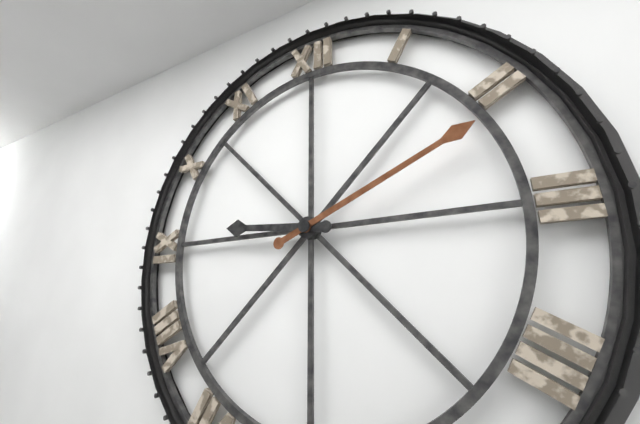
9:11
